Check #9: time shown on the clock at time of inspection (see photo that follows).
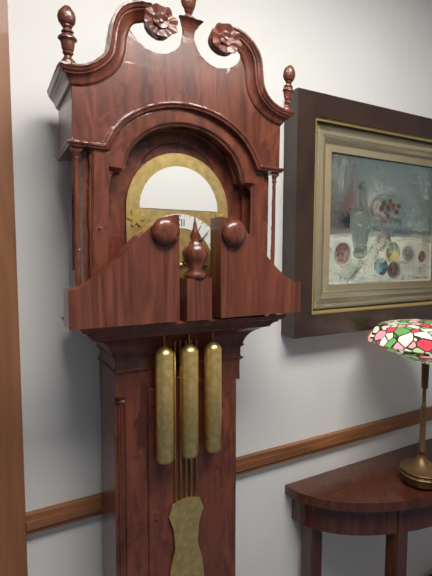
3:07
